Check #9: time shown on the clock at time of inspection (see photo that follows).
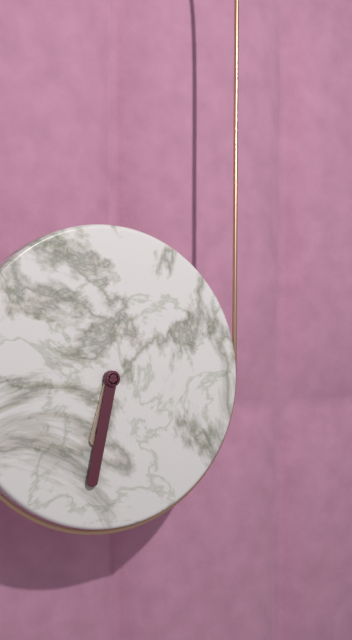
6:32
